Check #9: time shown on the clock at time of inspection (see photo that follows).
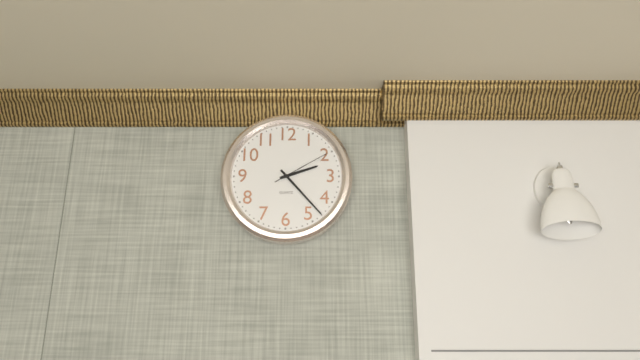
2:23:10
